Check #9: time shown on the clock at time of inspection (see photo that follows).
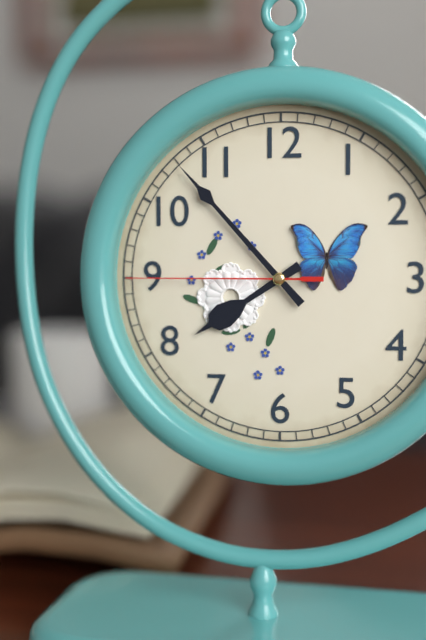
7:53:45
